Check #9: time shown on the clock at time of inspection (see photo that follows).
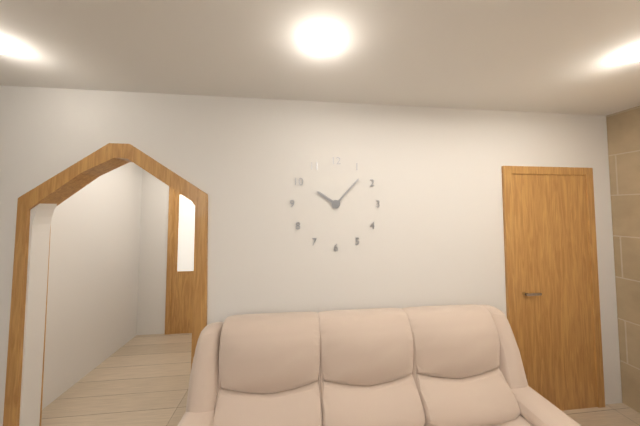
10:07
